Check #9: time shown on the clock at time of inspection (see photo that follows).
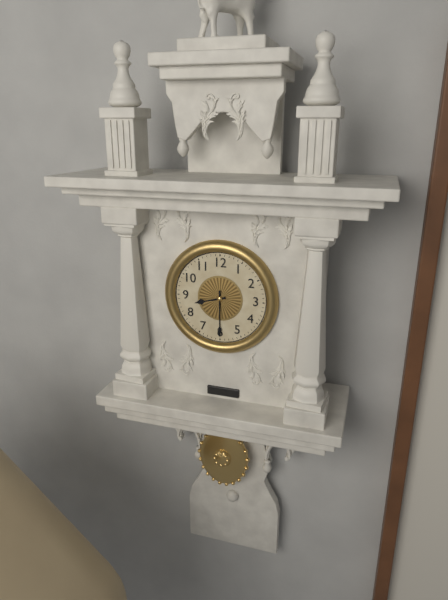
8:30
